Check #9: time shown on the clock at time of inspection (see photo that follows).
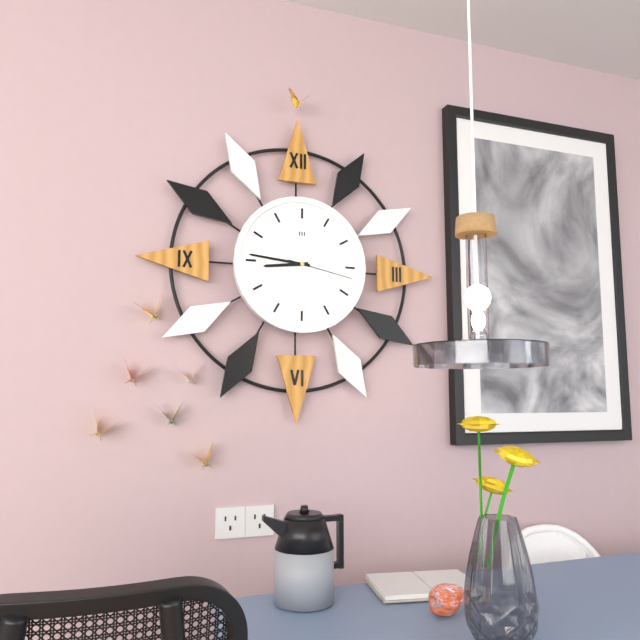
8:46:17
